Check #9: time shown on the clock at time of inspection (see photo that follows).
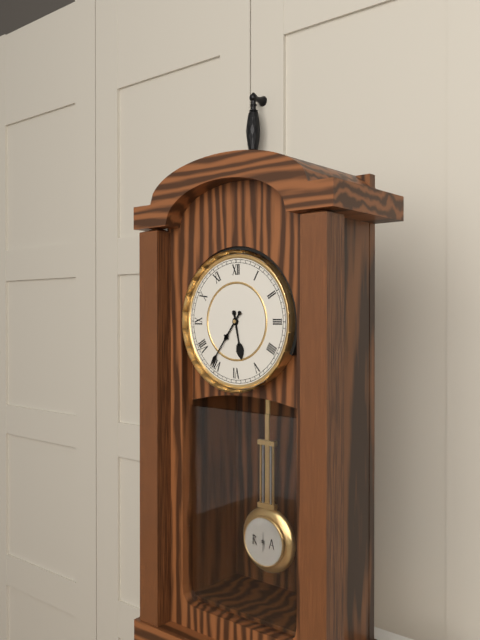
5:36
